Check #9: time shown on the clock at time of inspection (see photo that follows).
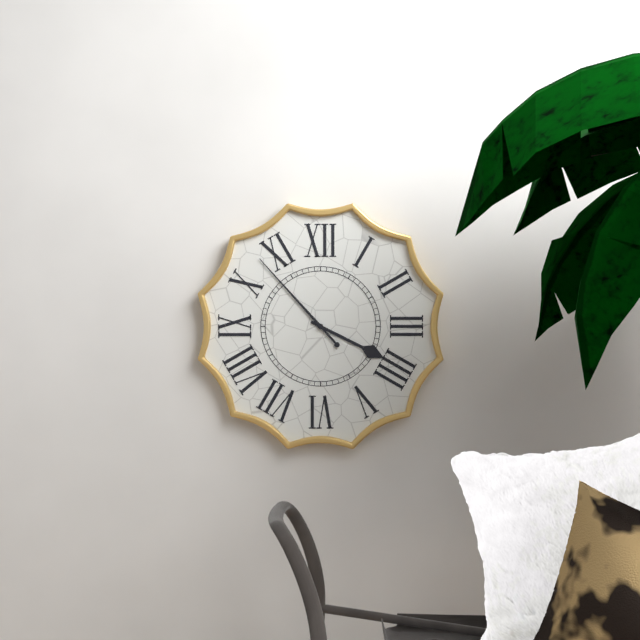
3:53
